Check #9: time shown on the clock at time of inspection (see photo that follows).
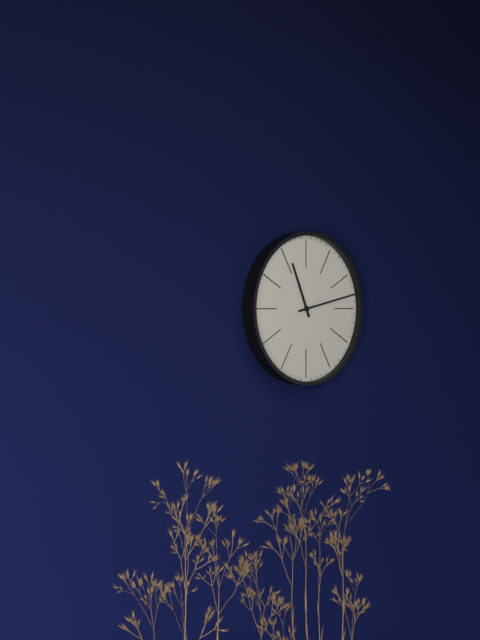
11:13
